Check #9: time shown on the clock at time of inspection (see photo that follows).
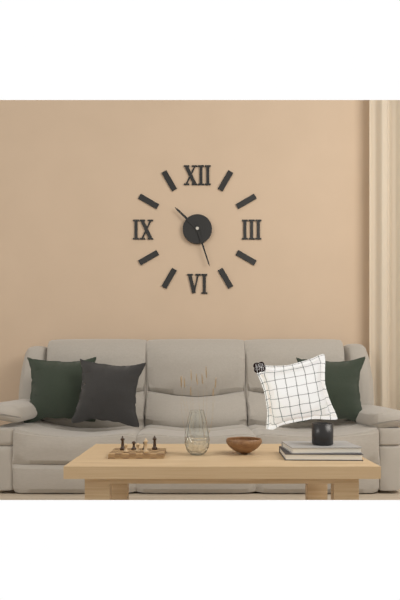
10:27
